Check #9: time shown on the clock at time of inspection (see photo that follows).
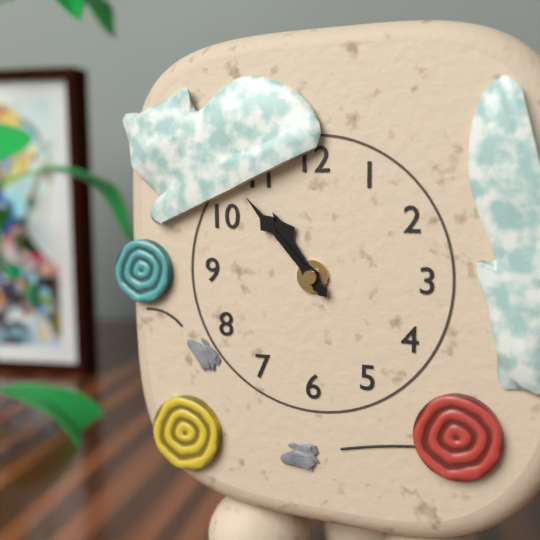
10:53
